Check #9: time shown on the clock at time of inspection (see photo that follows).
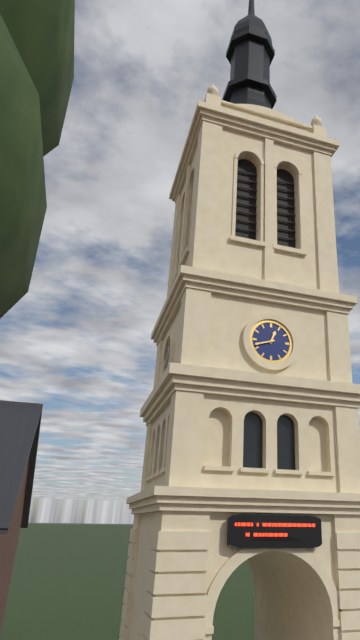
12:42
